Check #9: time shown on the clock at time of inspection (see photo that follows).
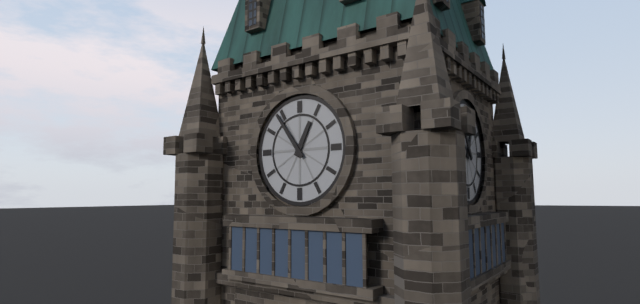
12:54
